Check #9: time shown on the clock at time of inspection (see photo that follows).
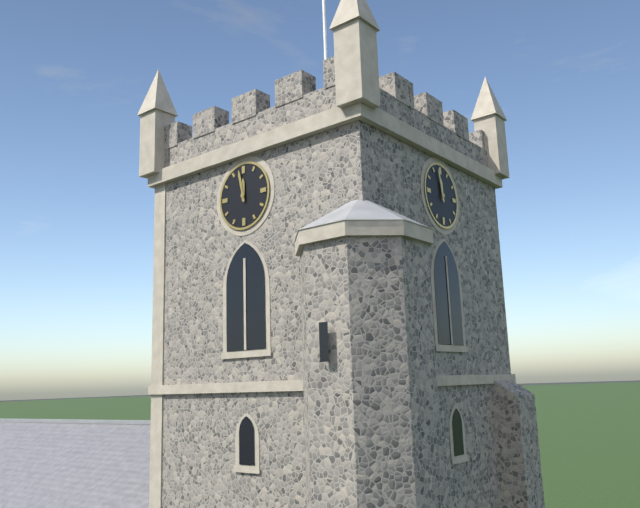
11:58
